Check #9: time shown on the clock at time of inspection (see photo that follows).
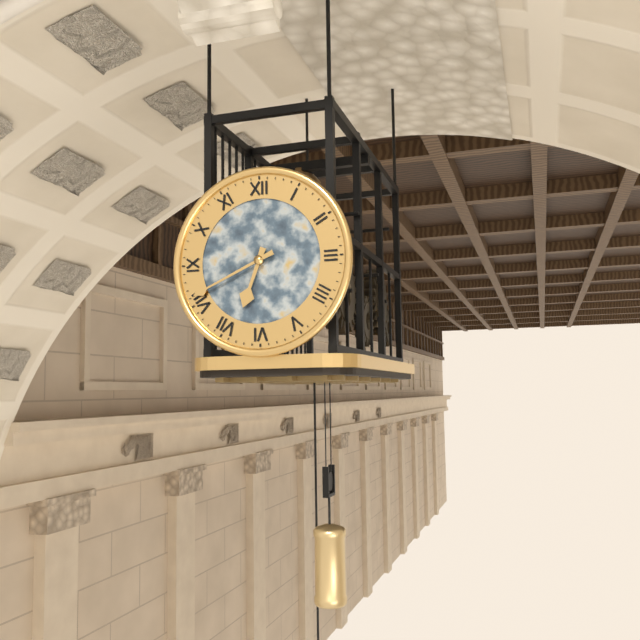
6:41
